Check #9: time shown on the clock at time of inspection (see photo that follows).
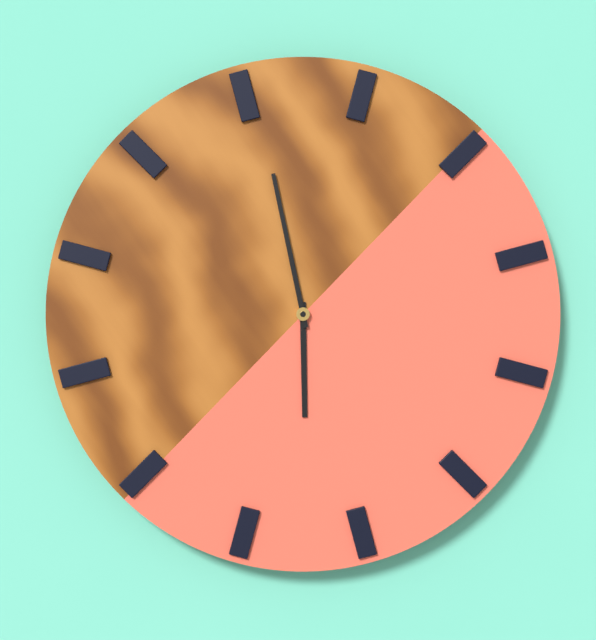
5:58
